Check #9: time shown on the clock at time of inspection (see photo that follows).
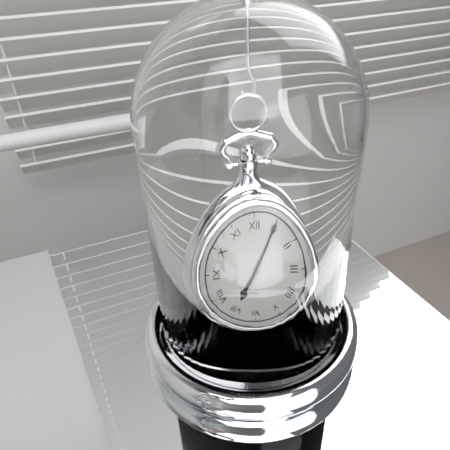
7:05
